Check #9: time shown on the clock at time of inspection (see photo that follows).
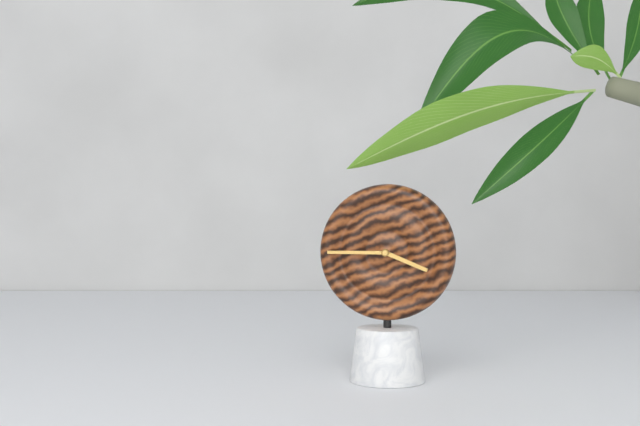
3:45
